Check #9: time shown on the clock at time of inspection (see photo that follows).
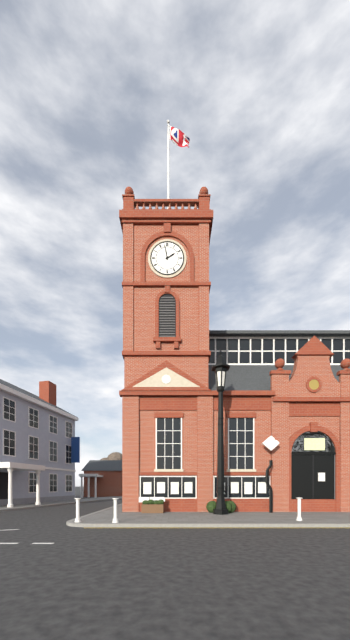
1:58
